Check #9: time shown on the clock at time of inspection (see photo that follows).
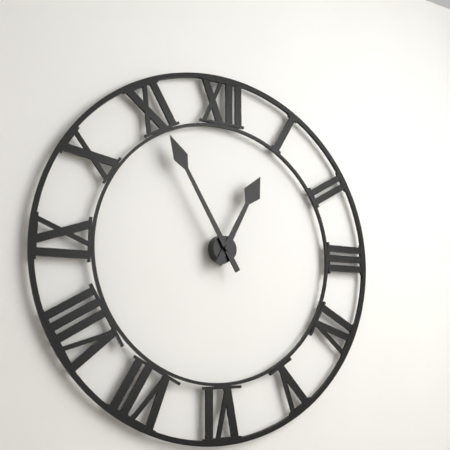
12:55
